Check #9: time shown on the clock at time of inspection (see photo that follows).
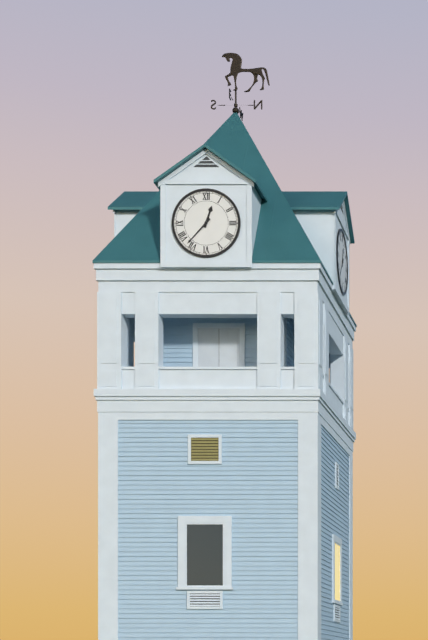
12:37
